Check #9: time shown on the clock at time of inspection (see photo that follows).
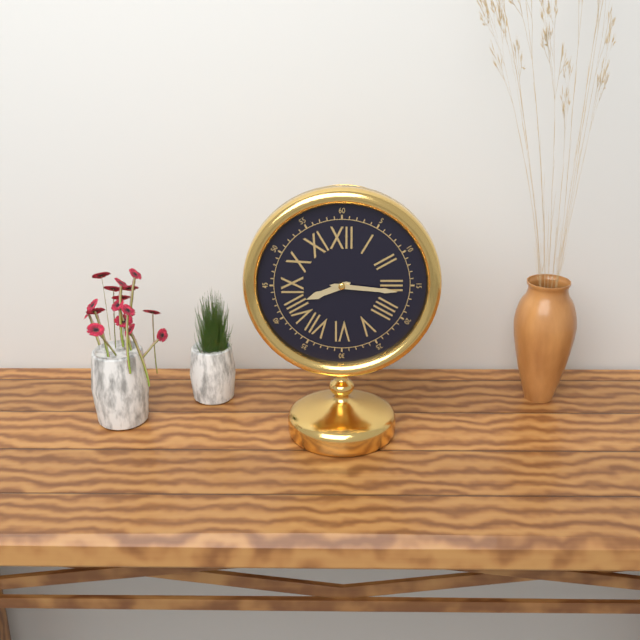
8:16
